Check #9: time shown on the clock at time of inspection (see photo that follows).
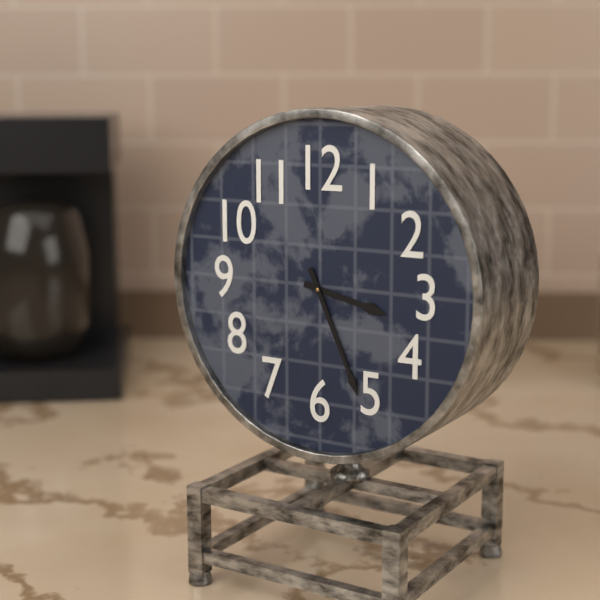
3:26
